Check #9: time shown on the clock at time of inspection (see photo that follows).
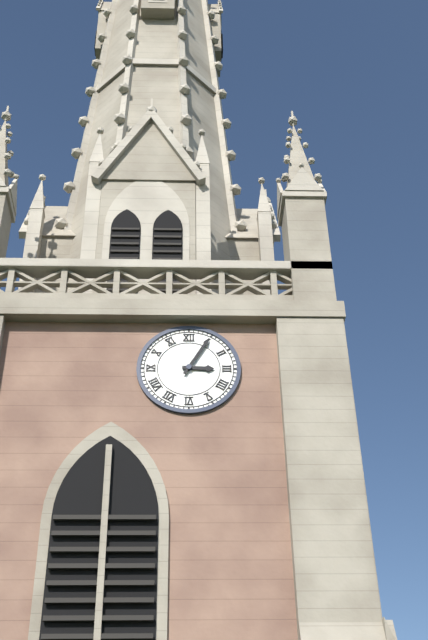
3:05
